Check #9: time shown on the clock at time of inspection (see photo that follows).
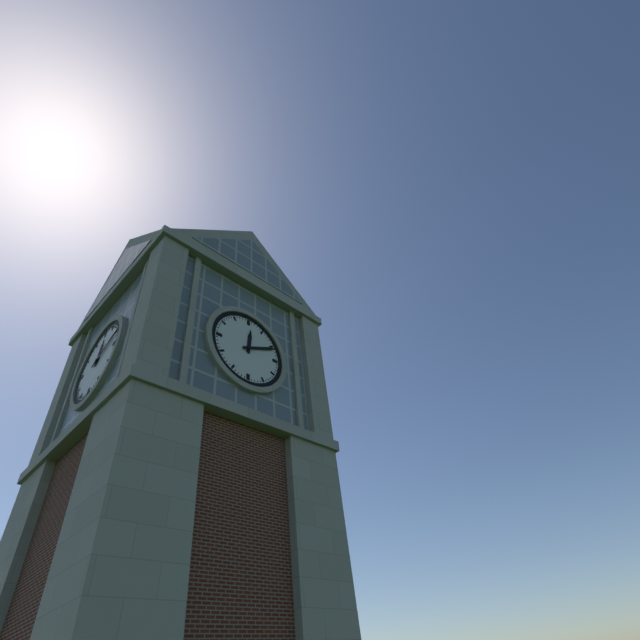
12:11
